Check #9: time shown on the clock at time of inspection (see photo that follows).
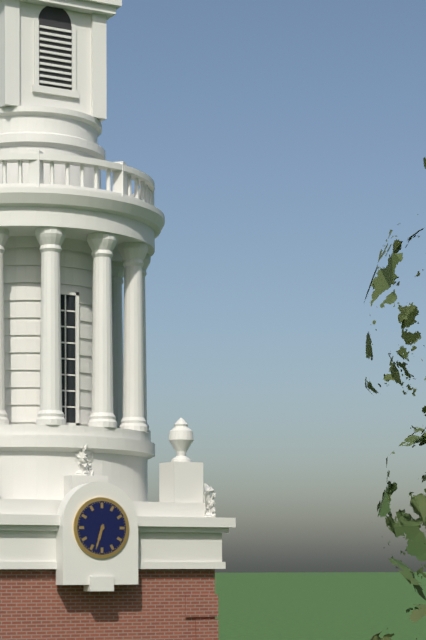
6:33
